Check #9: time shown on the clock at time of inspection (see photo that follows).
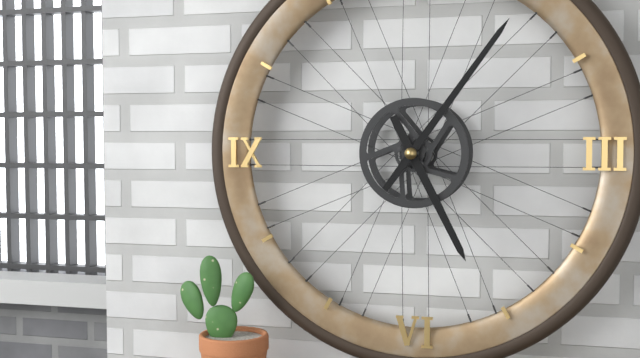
5:06
